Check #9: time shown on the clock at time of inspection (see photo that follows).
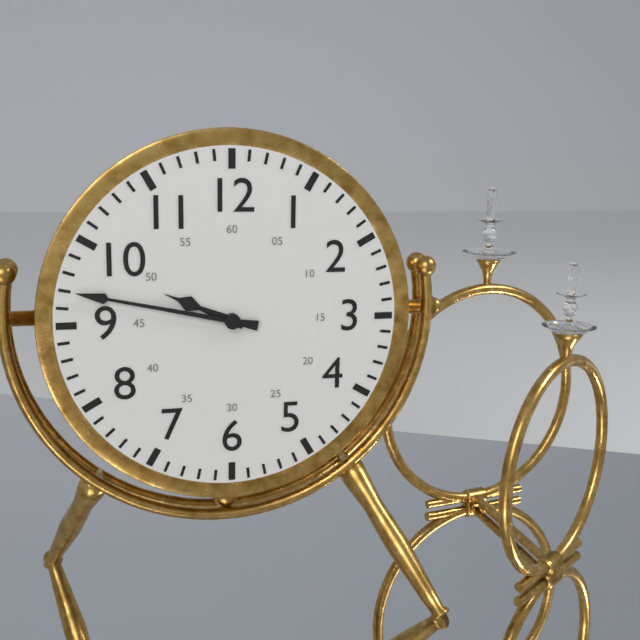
9:47
